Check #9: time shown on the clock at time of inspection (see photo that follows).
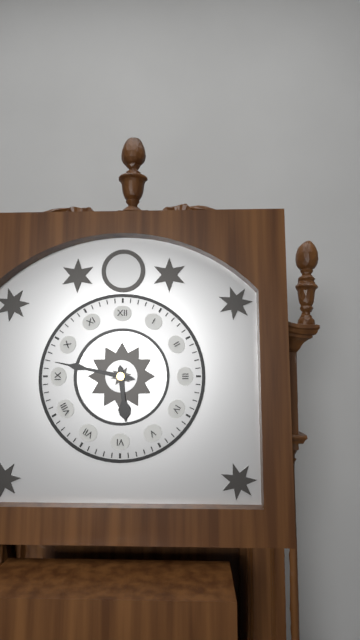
5:47
